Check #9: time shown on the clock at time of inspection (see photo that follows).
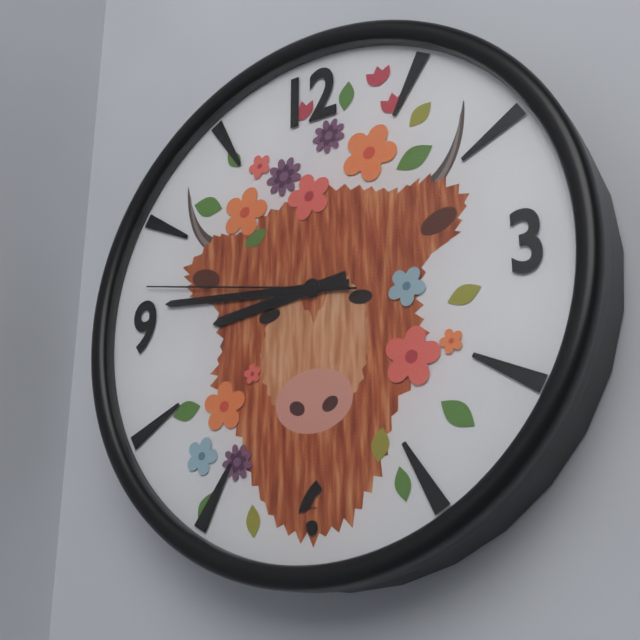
8:46:47
